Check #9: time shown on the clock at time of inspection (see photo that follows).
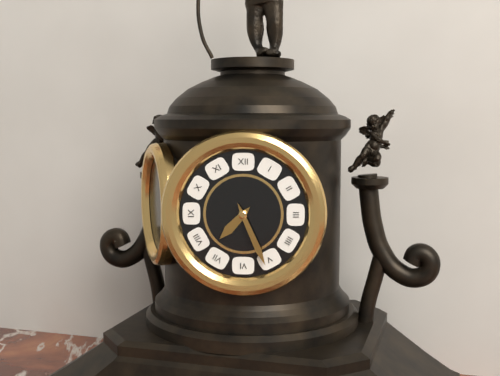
7:26
